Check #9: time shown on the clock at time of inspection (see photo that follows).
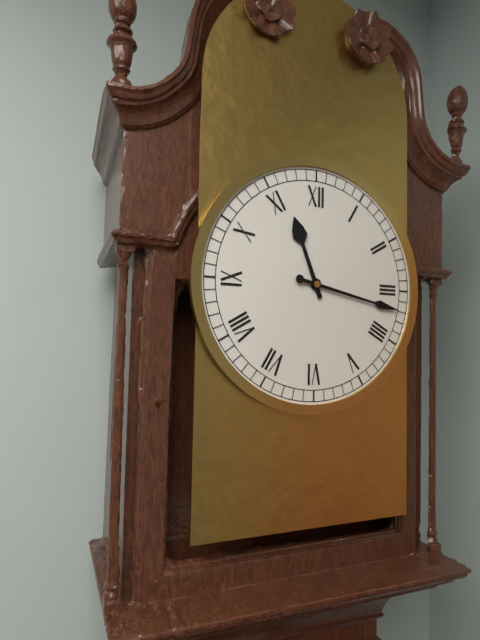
11:17
